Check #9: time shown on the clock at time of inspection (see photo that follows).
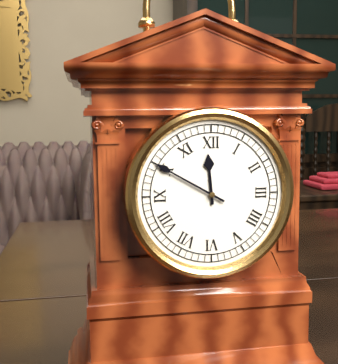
11:50
